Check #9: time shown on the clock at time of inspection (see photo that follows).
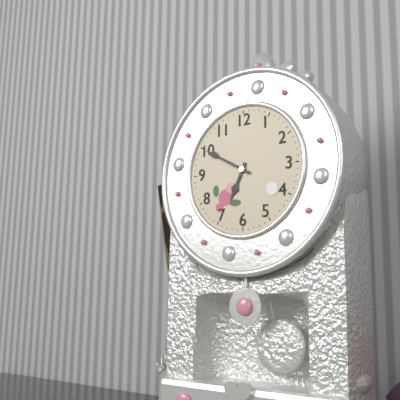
6:50
